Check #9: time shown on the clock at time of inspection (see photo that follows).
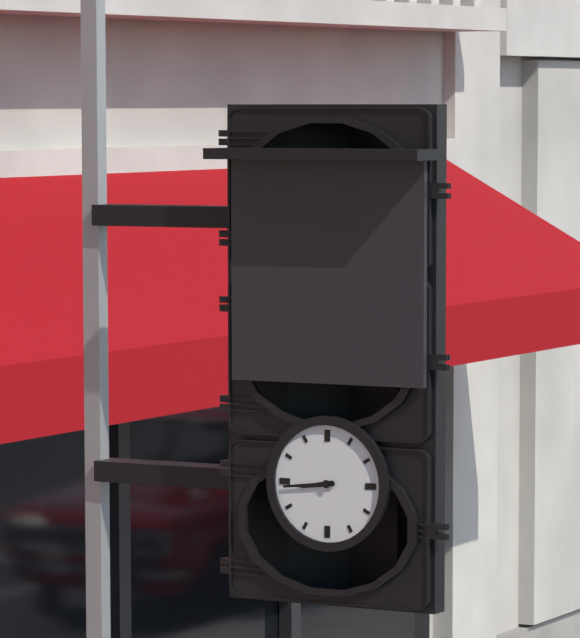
8:44
